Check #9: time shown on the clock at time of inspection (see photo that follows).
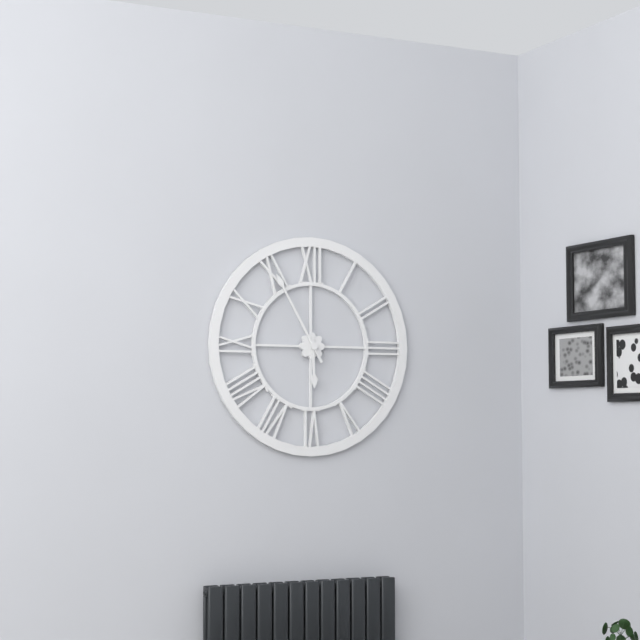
5:55
